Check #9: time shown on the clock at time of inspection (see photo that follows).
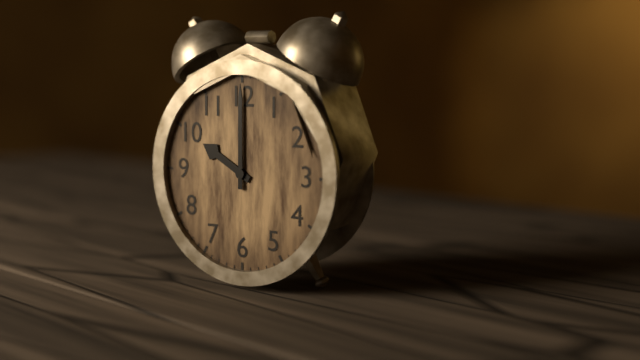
10:00
